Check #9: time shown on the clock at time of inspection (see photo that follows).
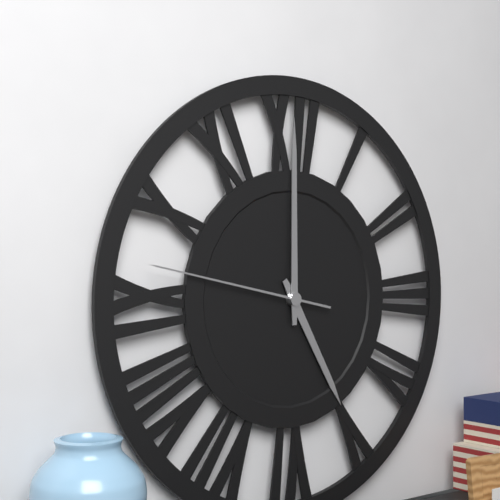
5:00:47
